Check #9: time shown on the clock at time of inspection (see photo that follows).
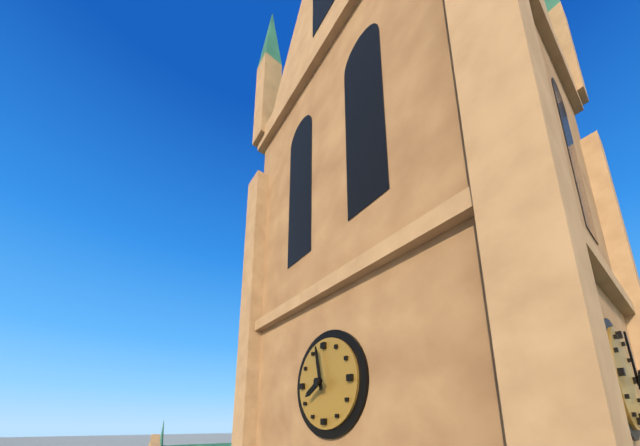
7:58
